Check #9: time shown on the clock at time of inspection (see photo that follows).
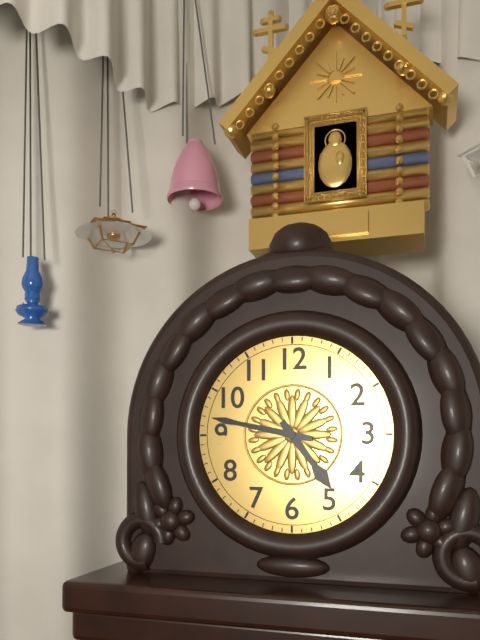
4:47
